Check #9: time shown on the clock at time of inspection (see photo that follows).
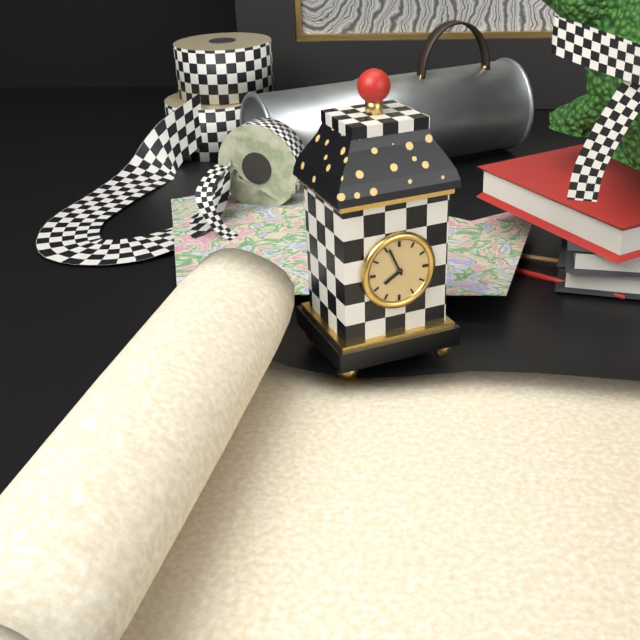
7:56
